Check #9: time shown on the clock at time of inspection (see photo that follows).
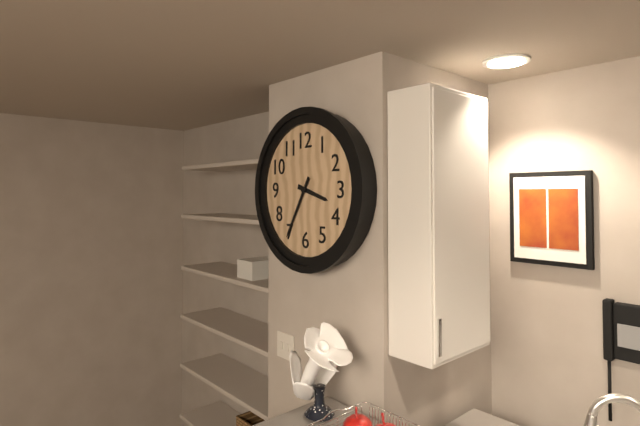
3:35
